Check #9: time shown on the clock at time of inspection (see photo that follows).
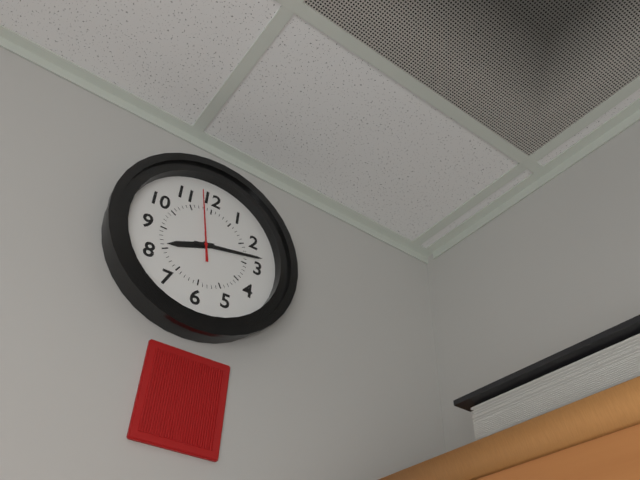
8:13:58
